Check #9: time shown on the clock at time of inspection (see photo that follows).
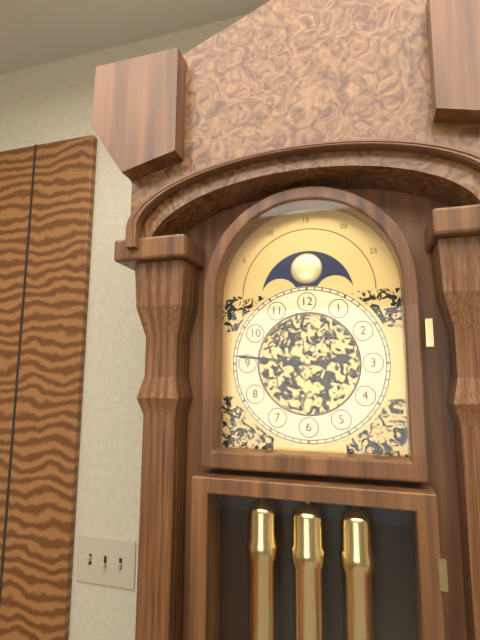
2:46
